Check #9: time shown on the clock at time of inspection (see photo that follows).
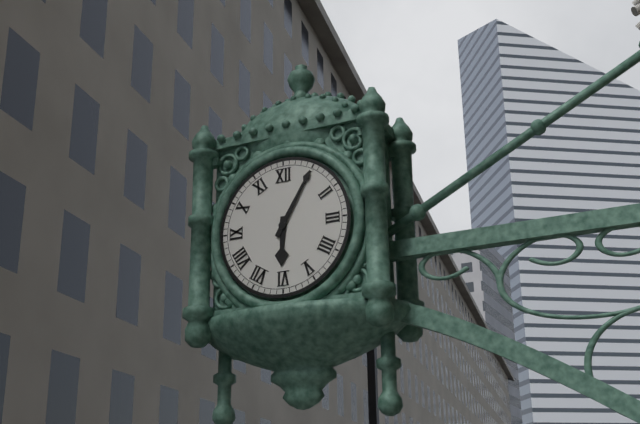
6:05
